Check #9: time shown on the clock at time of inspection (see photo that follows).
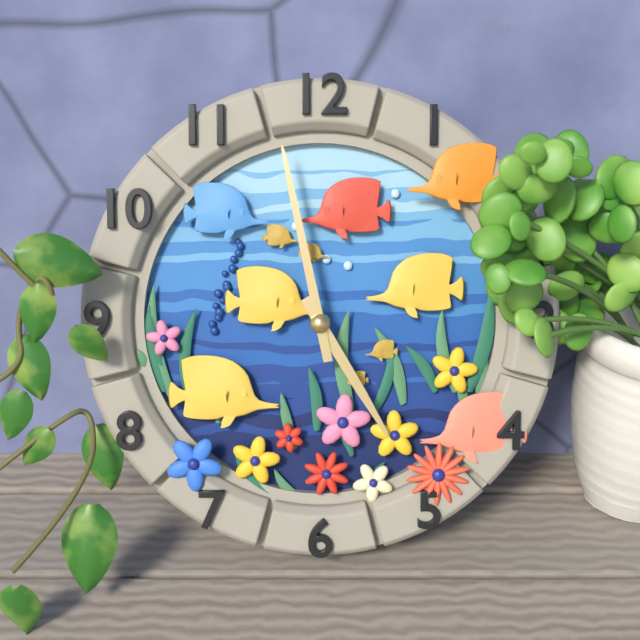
4:58
